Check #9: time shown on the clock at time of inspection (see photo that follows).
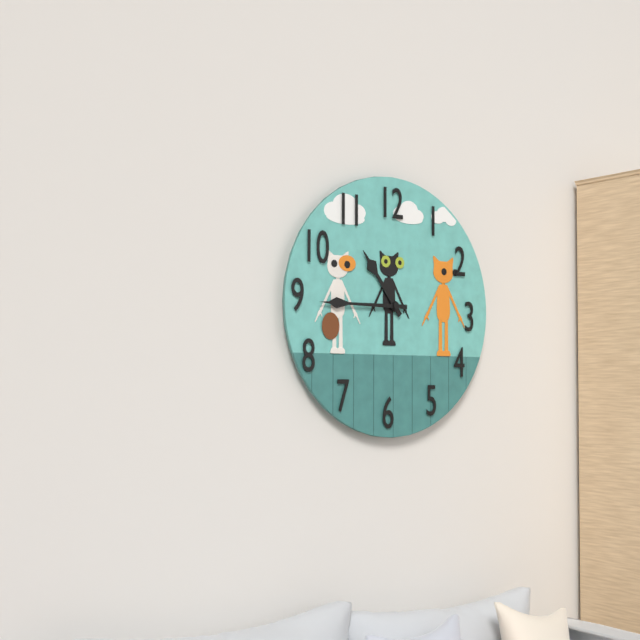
10:45
